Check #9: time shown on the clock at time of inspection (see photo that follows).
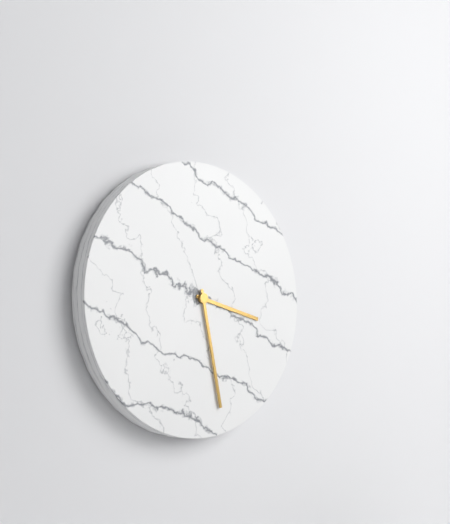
3:28
